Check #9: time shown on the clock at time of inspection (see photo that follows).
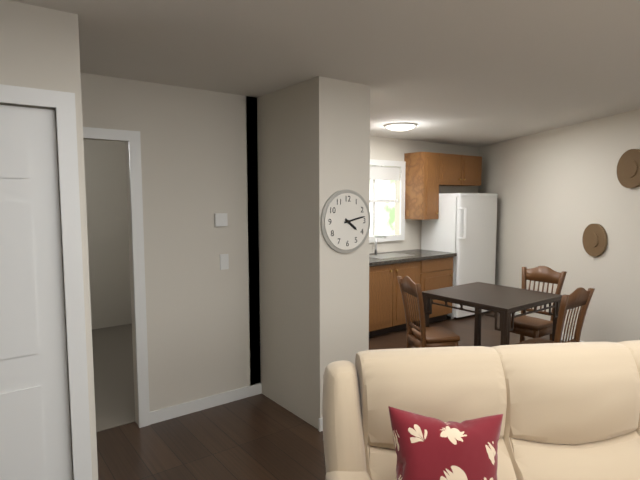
4:13
